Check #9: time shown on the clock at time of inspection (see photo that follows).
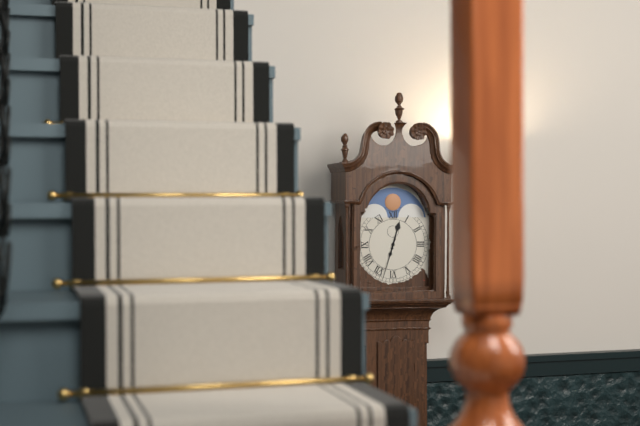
12:33
